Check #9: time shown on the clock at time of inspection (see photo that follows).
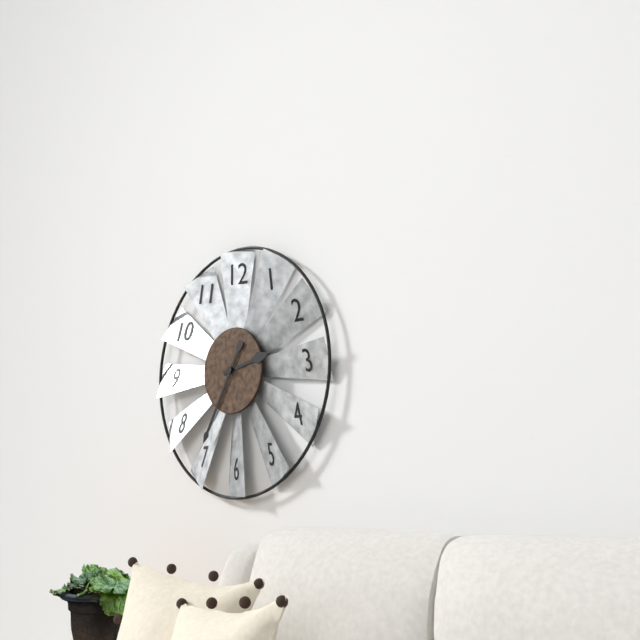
2:35
